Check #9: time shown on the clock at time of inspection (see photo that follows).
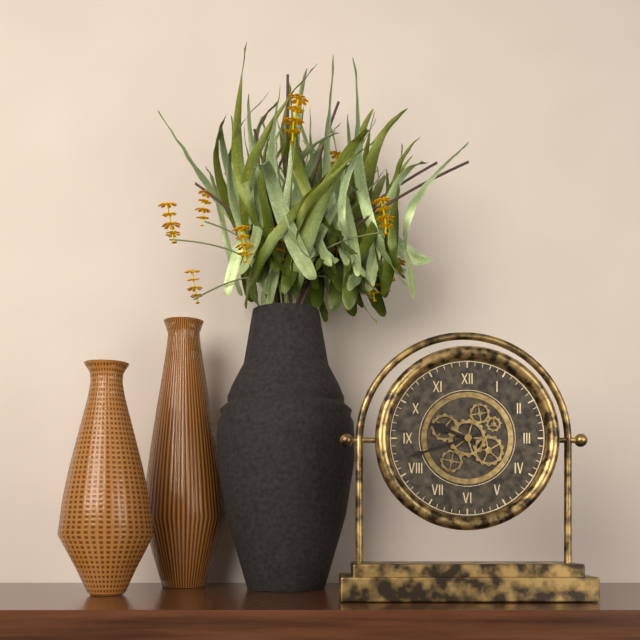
9:42
